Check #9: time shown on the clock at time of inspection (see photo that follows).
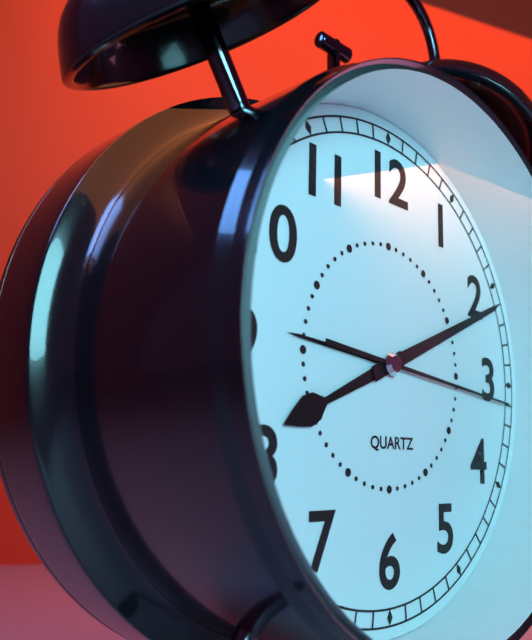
8:11:16
